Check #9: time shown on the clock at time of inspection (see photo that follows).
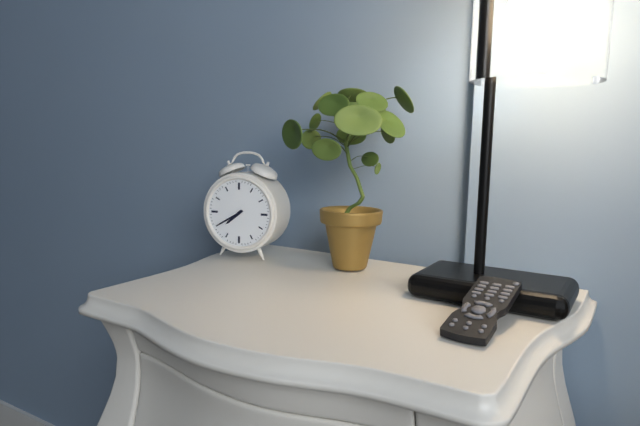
7:40
